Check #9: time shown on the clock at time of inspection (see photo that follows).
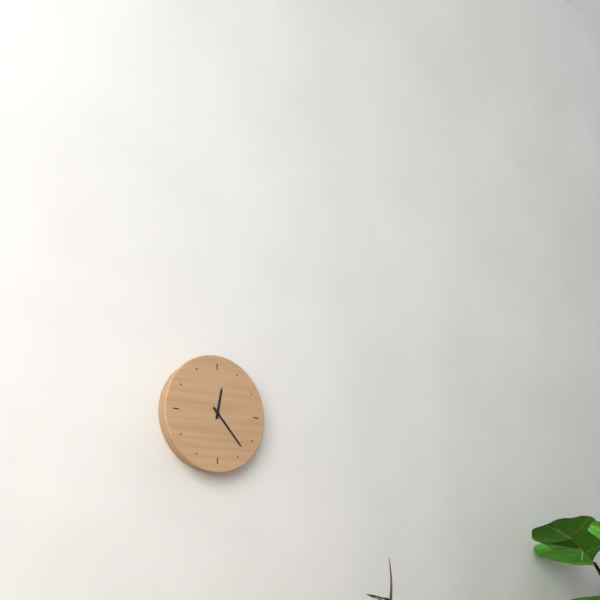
12:23
